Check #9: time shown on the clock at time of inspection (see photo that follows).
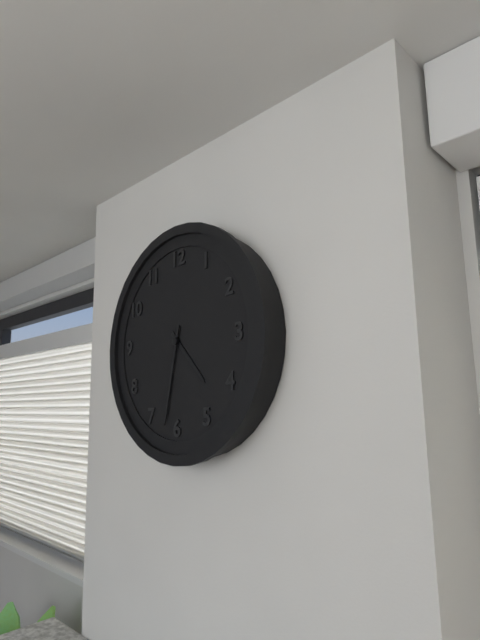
4:32
